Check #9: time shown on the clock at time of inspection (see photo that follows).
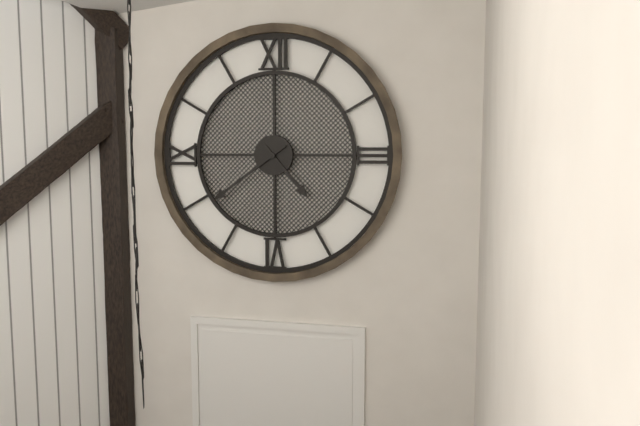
4:39
